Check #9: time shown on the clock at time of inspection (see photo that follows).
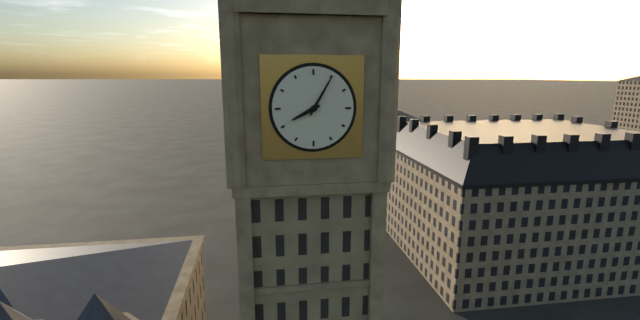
8:05
